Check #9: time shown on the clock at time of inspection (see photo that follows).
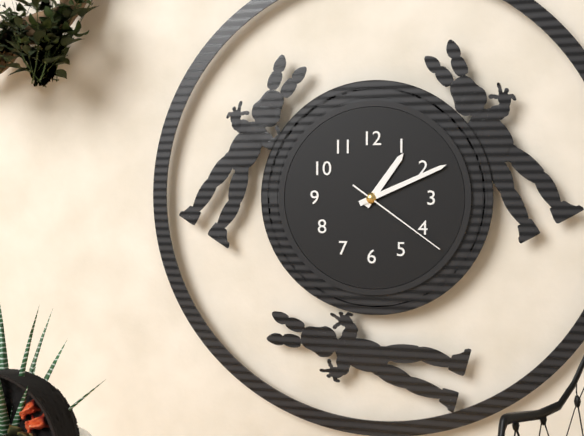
1:11:21
